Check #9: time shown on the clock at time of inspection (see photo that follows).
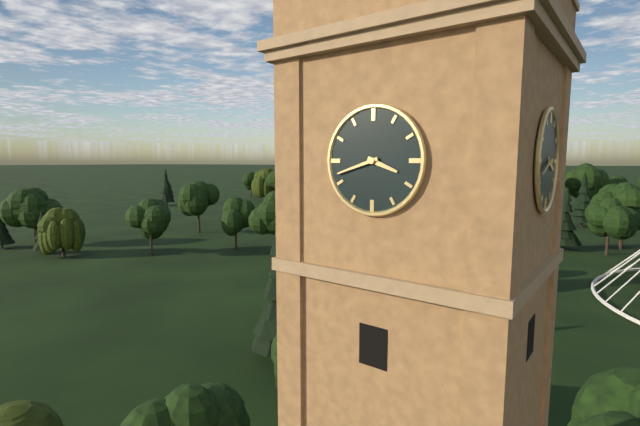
3:42
